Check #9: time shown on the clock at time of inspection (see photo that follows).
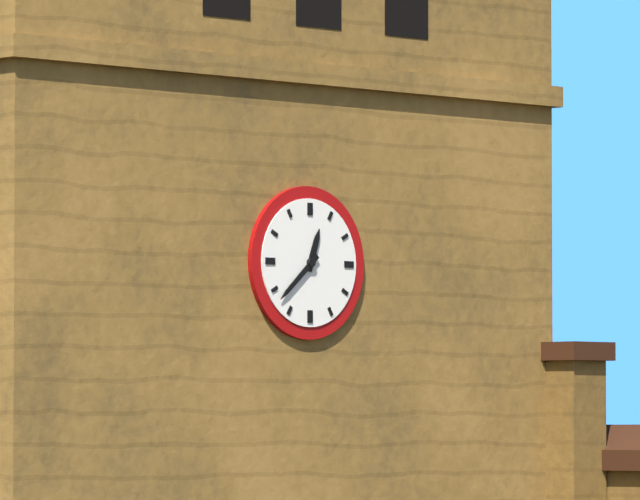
12:38
